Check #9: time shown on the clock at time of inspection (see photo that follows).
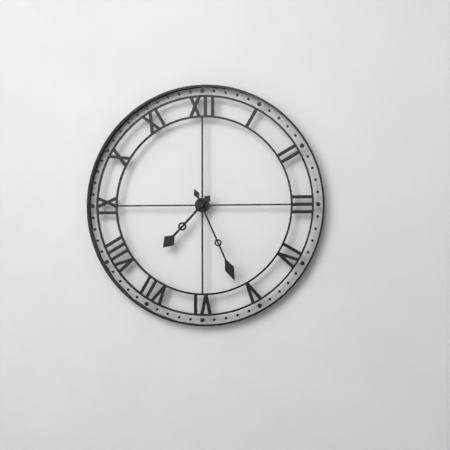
7:26
